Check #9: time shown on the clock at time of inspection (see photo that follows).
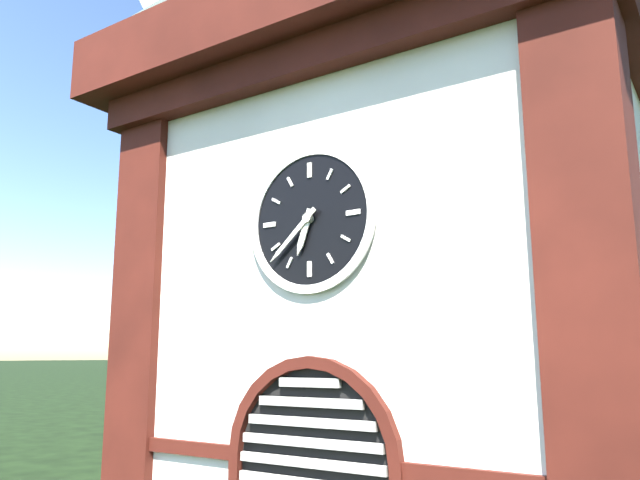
6:38
